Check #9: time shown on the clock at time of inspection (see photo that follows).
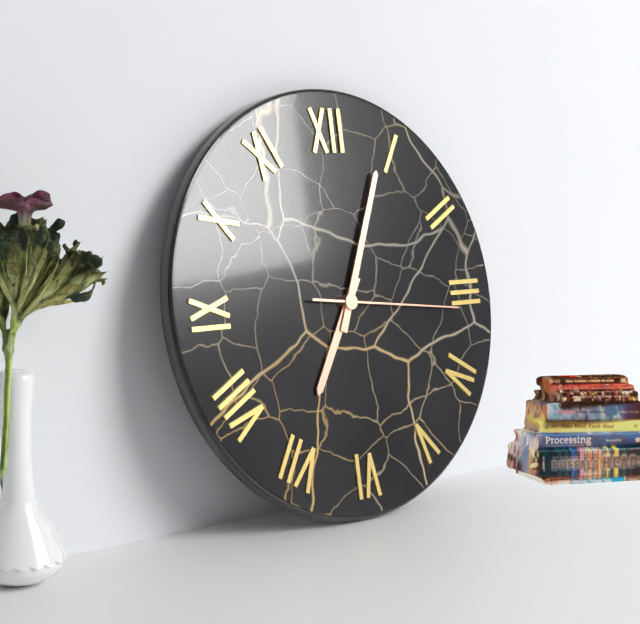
7:04:16
